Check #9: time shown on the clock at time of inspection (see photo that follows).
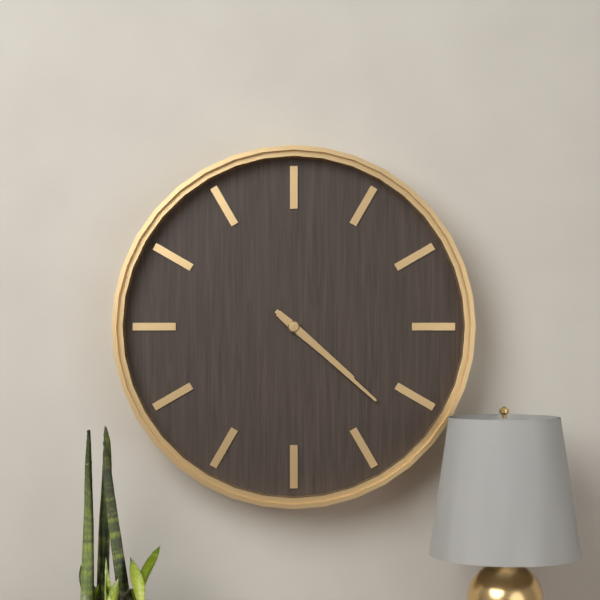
4:22
